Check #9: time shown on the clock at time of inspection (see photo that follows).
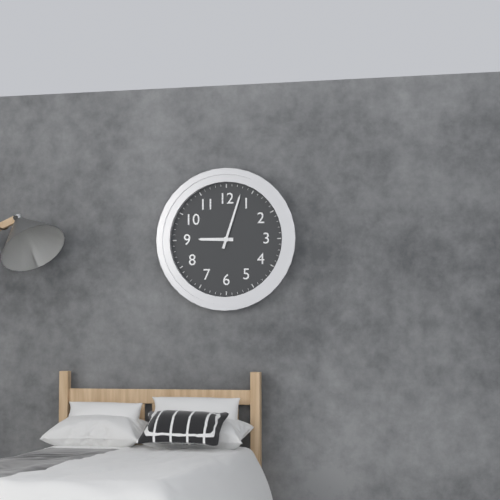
9:03
